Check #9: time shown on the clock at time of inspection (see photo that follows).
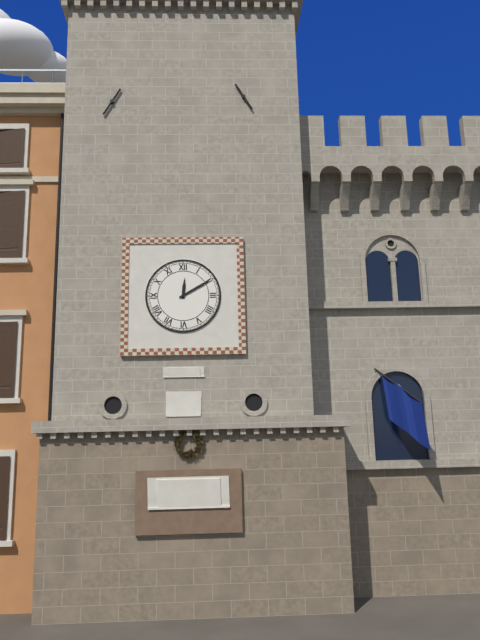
12:10
